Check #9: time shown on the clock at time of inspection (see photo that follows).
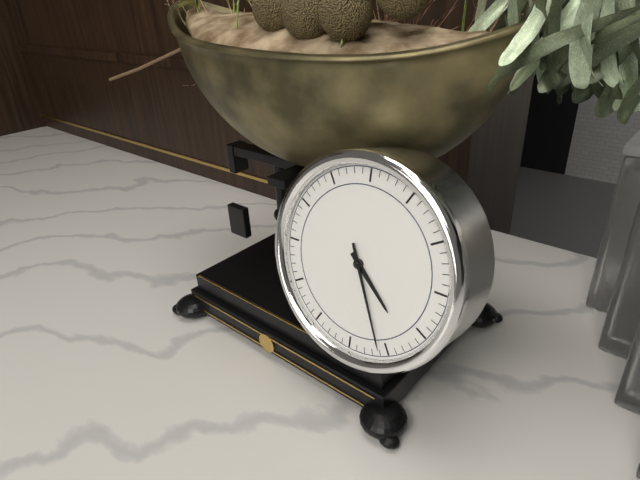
4:26
